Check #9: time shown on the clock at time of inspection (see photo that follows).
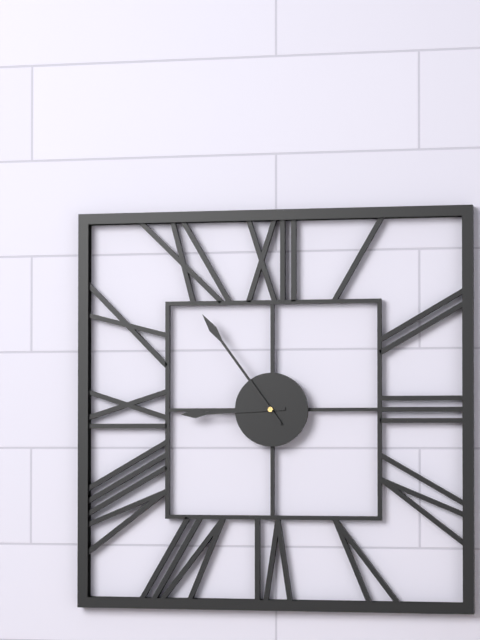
8:54
